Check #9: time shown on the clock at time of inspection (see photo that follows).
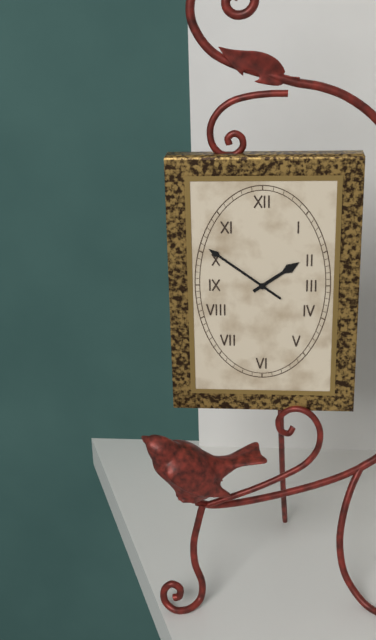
1:51
